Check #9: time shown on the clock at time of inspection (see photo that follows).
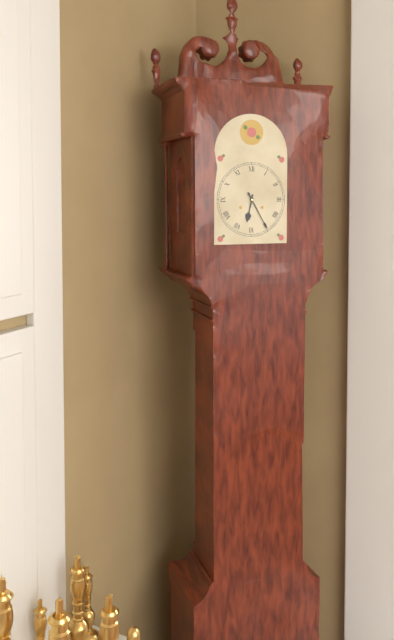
6:25
